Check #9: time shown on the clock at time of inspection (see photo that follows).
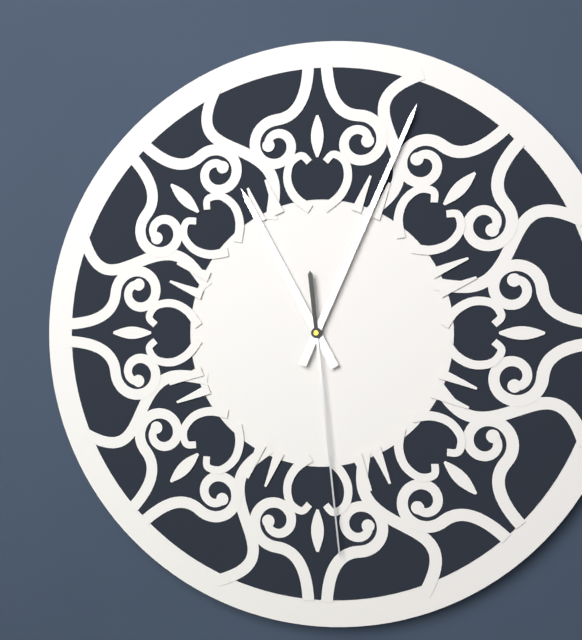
11:04:29
